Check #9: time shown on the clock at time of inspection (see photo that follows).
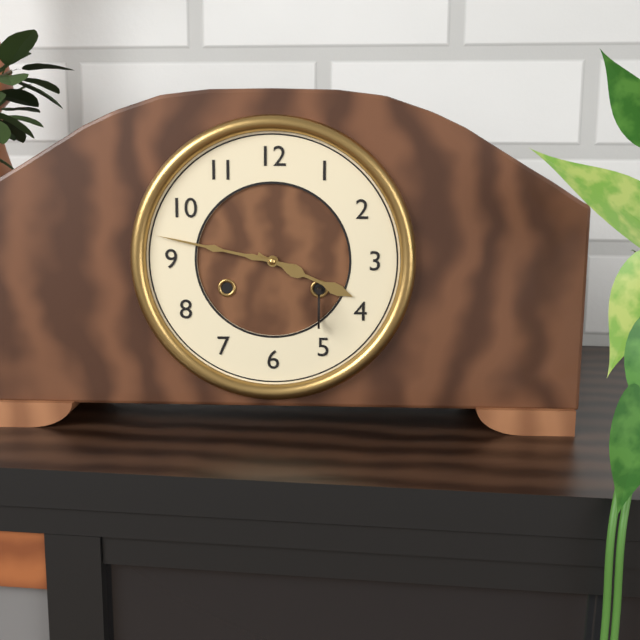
3:47
